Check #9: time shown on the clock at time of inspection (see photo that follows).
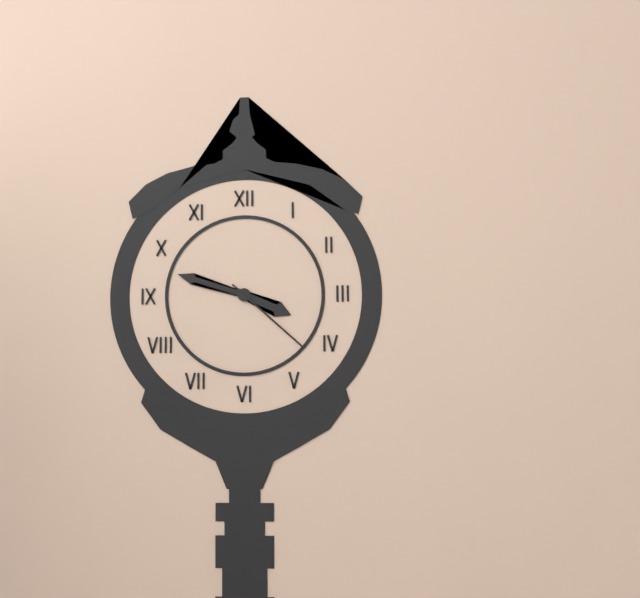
3:48:22
